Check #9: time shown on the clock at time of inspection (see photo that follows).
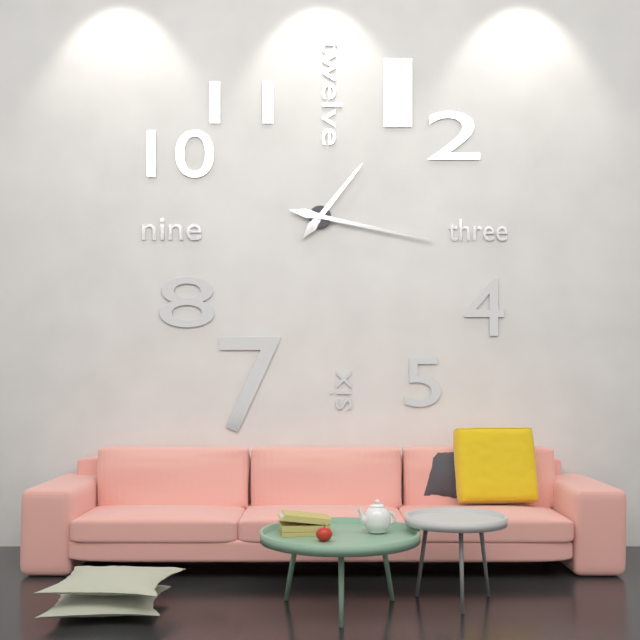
1:17
